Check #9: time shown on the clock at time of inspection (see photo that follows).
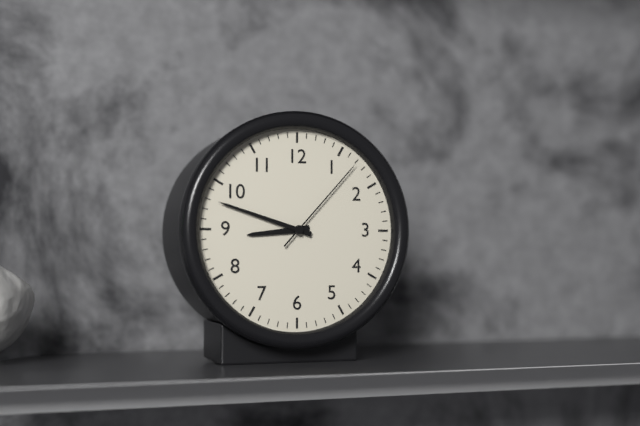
8:48:07
